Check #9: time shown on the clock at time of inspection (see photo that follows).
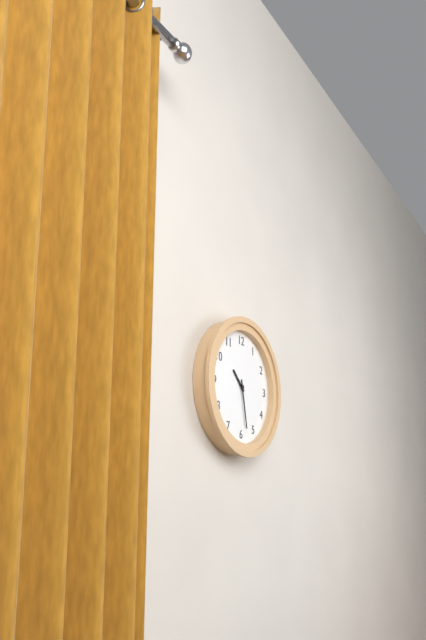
10:28
